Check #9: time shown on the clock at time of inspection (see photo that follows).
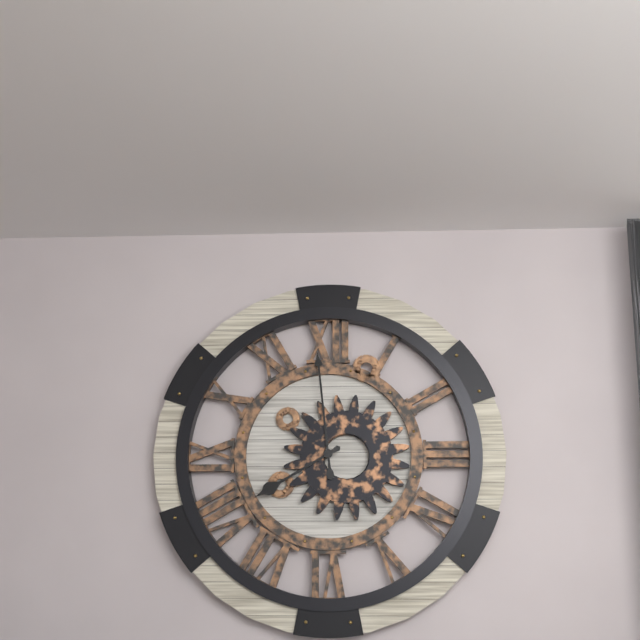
7:59
